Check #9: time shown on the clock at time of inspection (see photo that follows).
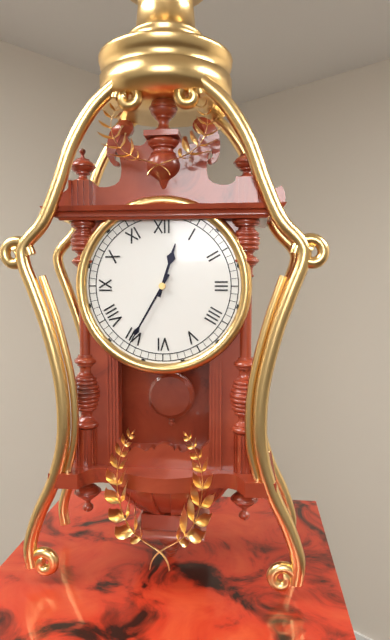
12:35
